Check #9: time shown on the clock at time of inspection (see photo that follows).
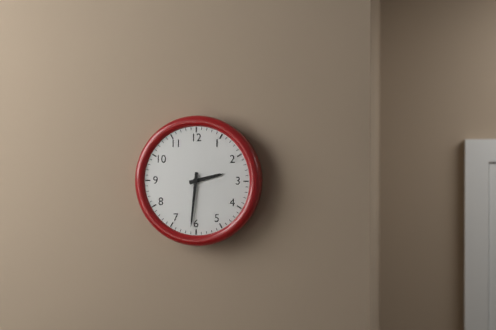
2:31
